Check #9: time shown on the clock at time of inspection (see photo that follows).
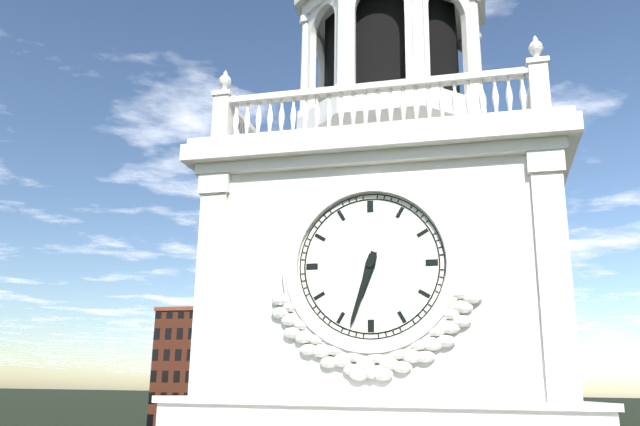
6:33
